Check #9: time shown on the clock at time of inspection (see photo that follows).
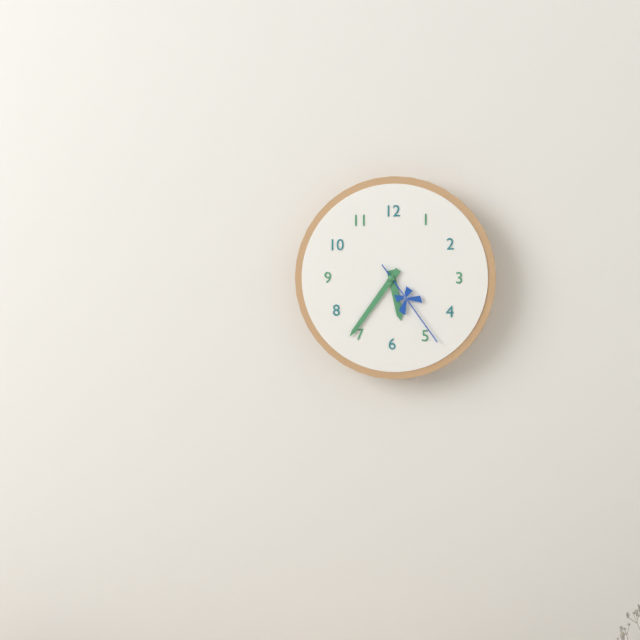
5:36:24
